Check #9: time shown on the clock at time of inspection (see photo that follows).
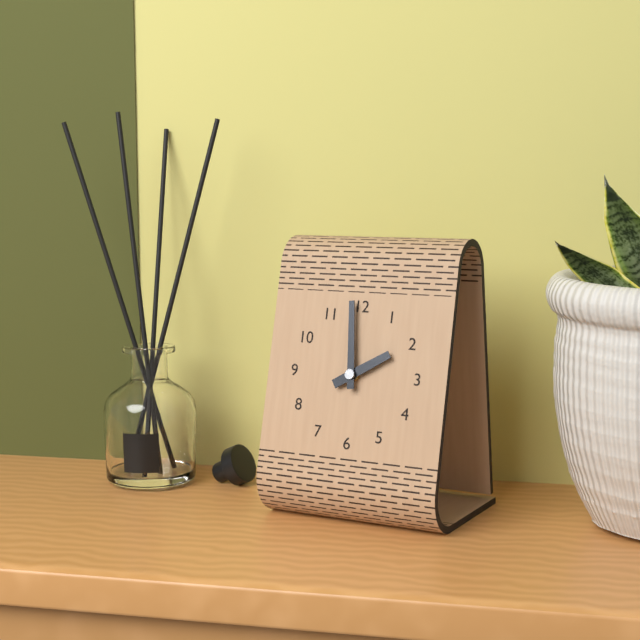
1:59
